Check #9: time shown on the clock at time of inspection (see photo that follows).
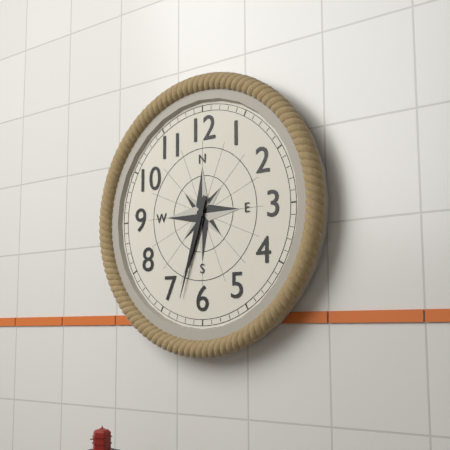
6:33
